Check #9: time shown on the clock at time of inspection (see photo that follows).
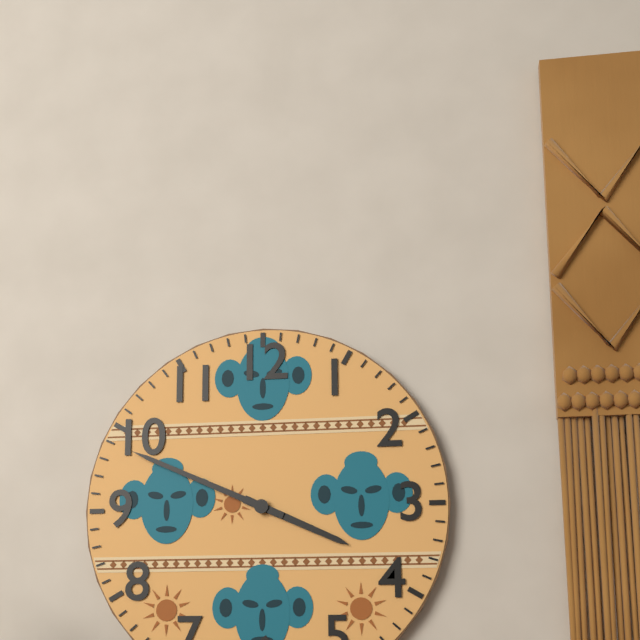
3:49
